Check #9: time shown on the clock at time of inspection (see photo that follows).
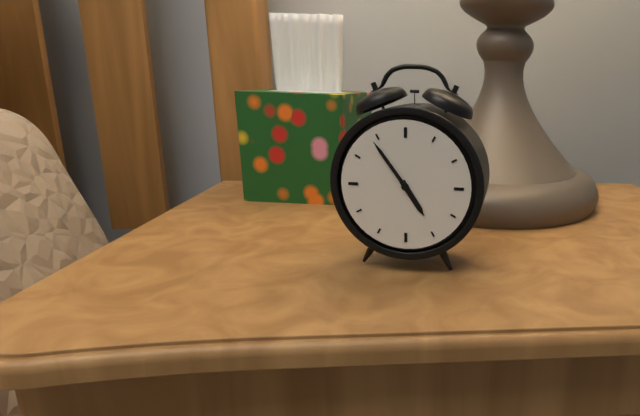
4:54
